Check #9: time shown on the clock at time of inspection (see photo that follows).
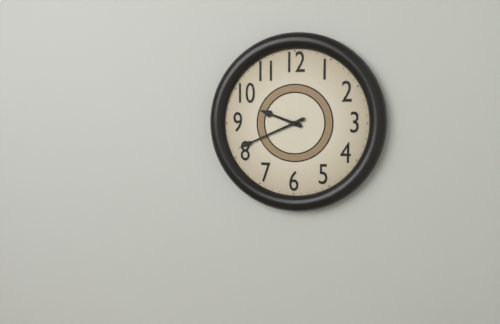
9:41
